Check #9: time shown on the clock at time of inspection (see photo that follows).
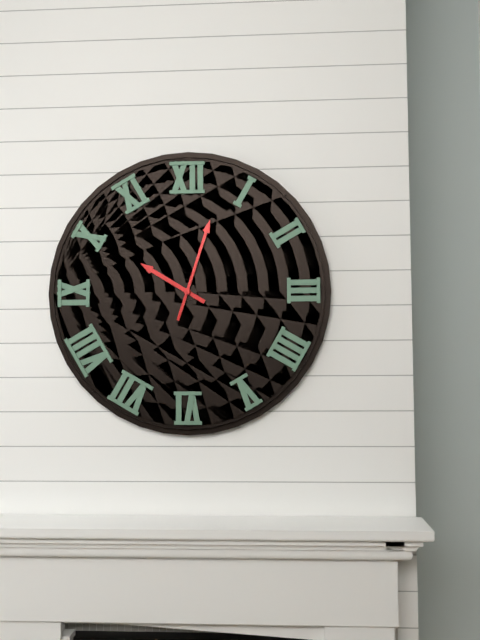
10:03
